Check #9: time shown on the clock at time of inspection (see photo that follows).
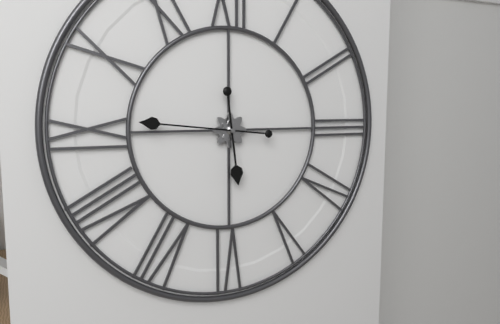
5:46
